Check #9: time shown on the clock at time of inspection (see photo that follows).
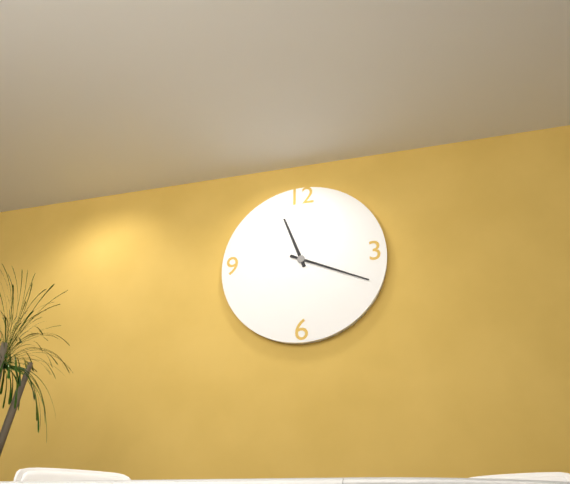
11:19
